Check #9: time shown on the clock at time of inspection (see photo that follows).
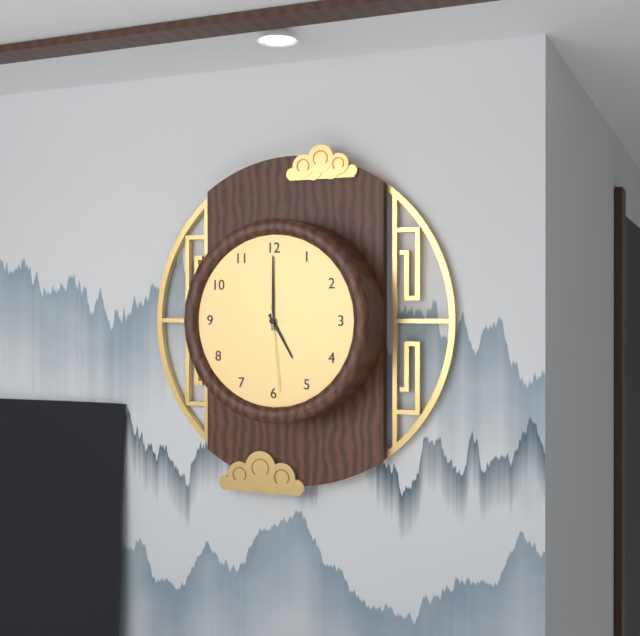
5:00:29
